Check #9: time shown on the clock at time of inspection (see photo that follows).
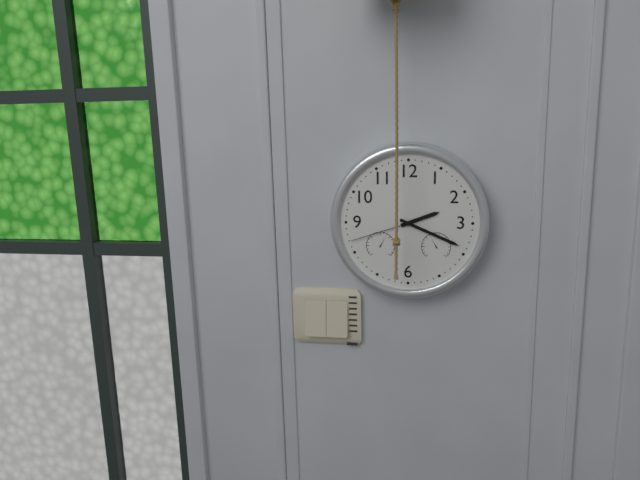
2:19:42
